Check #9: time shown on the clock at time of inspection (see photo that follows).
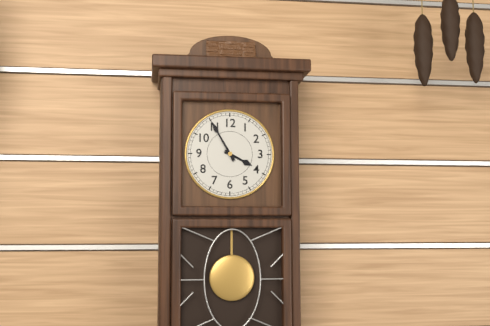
3:55
